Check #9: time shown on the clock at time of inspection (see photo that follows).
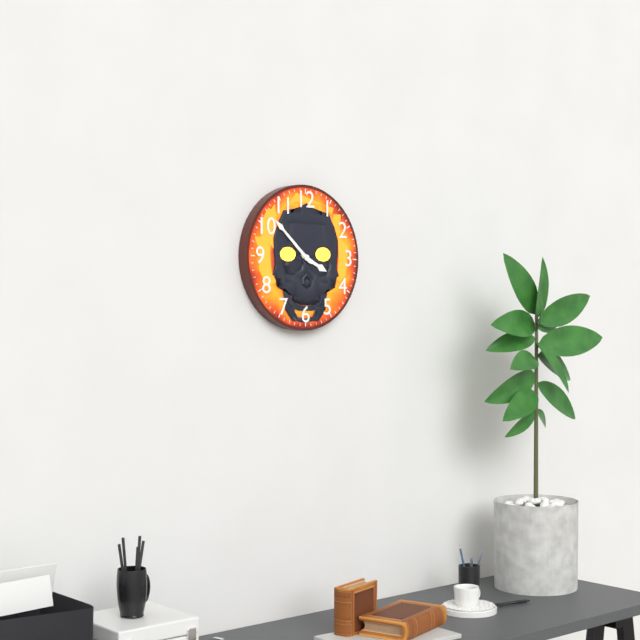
3:52
